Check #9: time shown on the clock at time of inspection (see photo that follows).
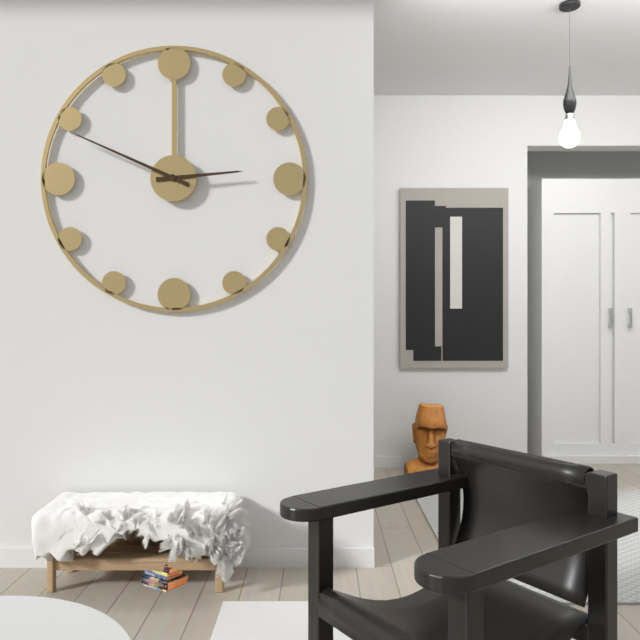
2:49
